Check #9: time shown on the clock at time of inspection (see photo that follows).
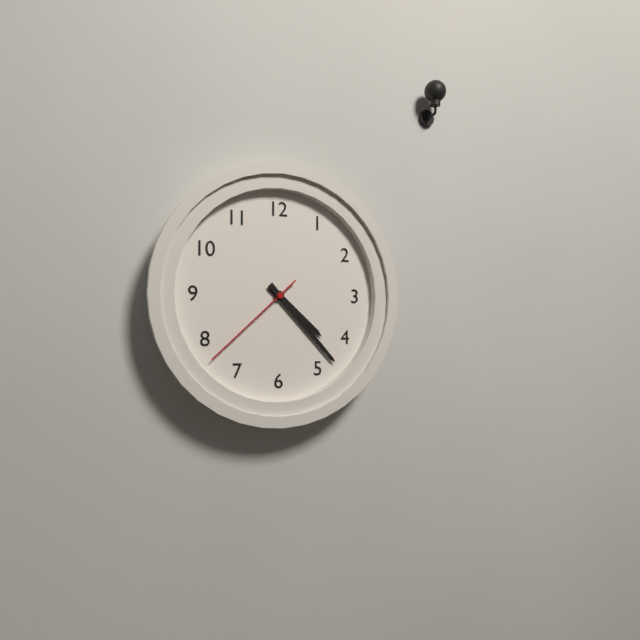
4:23:38
